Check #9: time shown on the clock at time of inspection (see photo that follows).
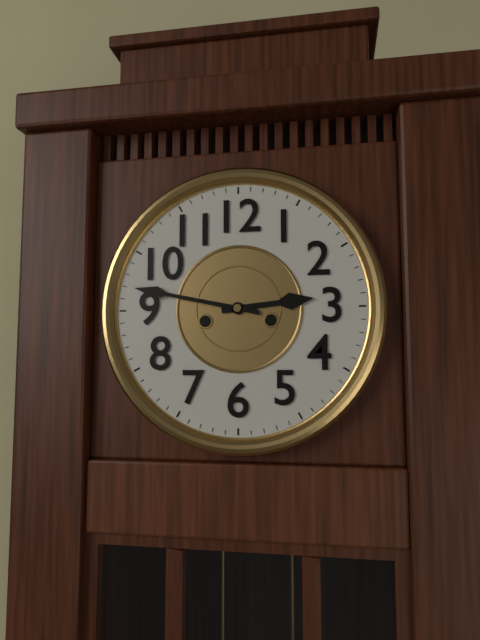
2:47
